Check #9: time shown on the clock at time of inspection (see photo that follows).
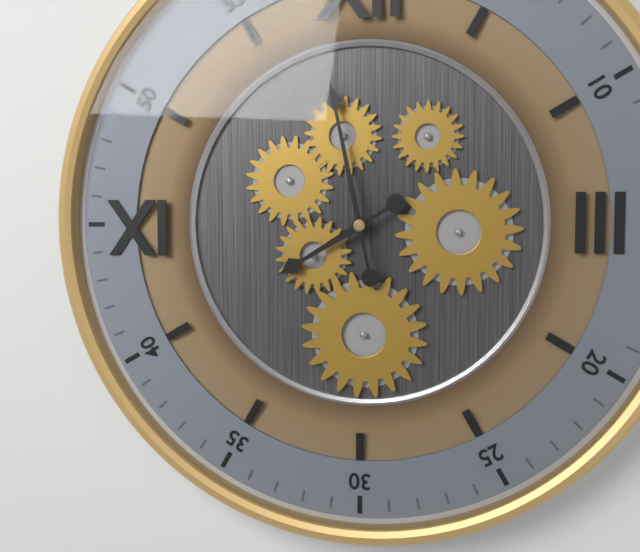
7:58
